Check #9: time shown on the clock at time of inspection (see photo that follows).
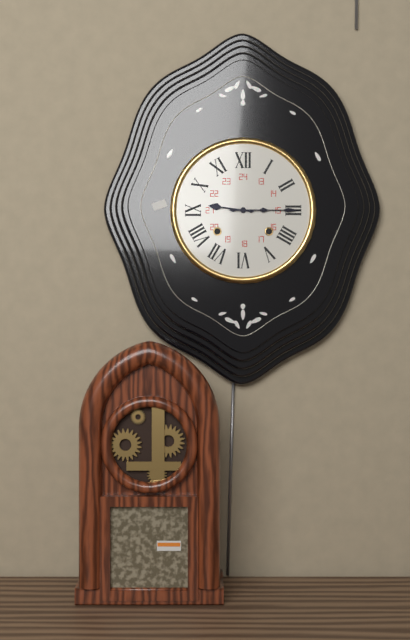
9:15
